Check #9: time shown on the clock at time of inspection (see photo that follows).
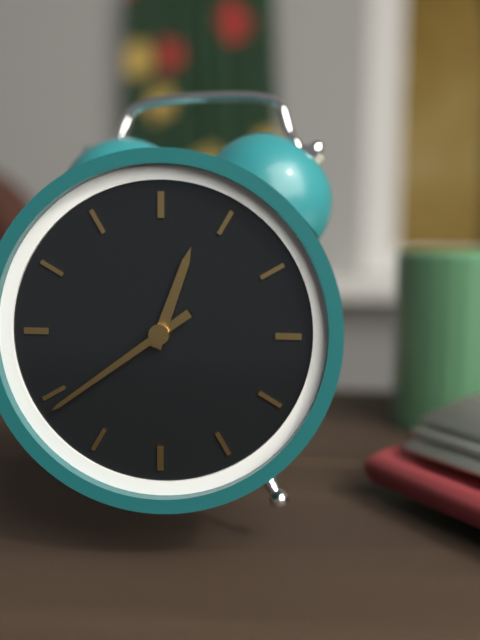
12:39
